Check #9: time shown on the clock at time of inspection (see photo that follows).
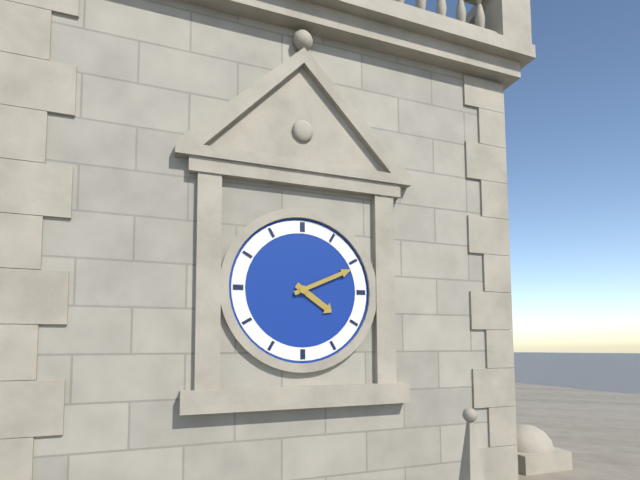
4:11
